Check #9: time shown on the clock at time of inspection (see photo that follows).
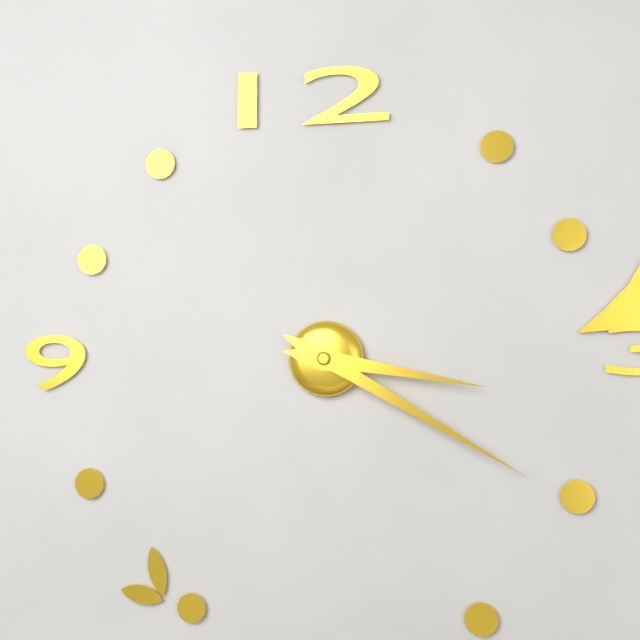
3:20
